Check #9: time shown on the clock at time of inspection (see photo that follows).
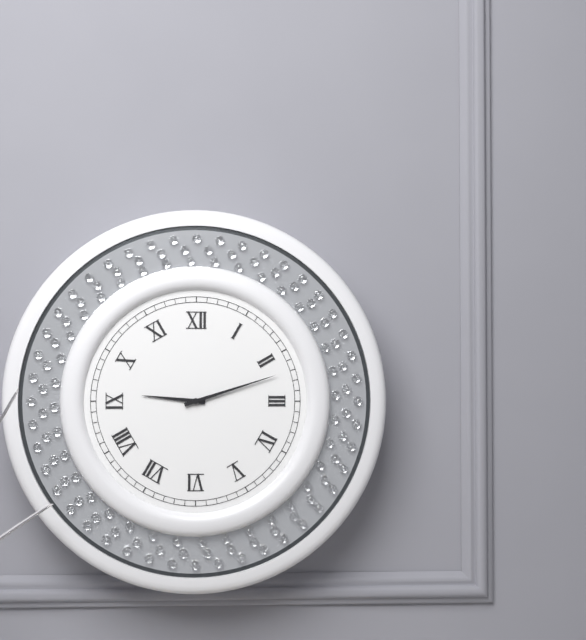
9:12
